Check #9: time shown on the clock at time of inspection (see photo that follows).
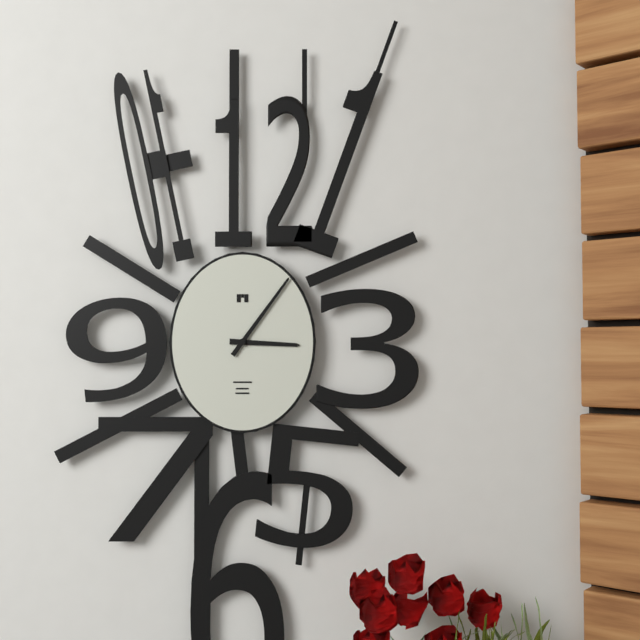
3:06
